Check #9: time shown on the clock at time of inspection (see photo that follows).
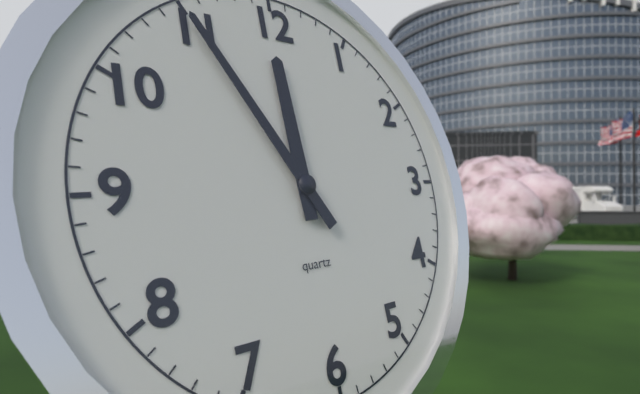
11:55
